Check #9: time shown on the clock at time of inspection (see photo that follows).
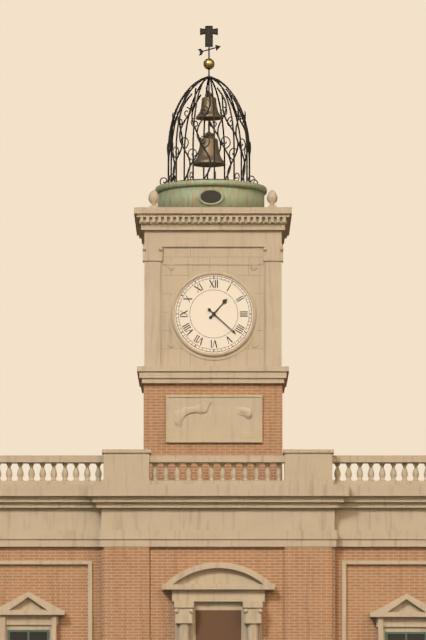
1:22
